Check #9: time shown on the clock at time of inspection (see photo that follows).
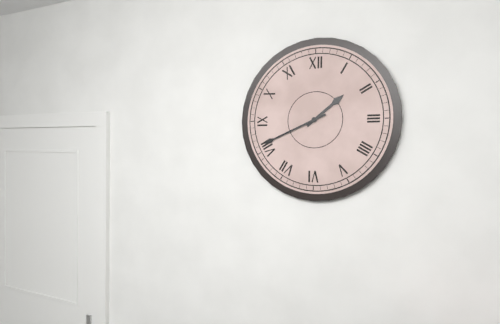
1:41
